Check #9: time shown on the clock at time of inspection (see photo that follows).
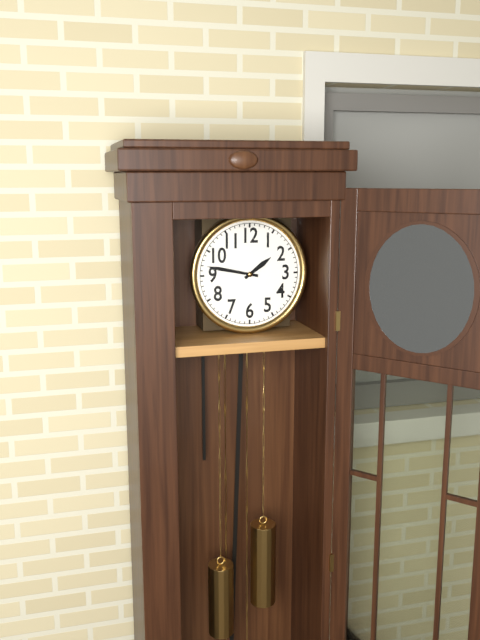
1:47
